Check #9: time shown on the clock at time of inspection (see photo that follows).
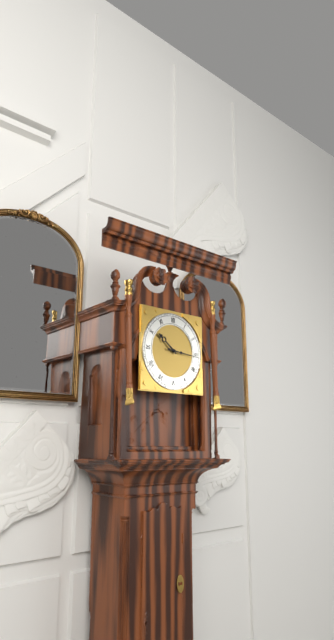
10:16
